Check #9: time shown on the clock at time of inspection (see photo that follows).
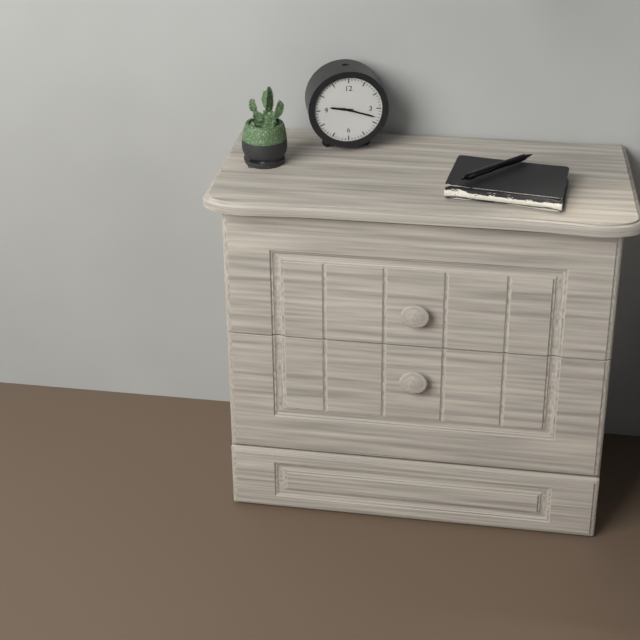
9:18
